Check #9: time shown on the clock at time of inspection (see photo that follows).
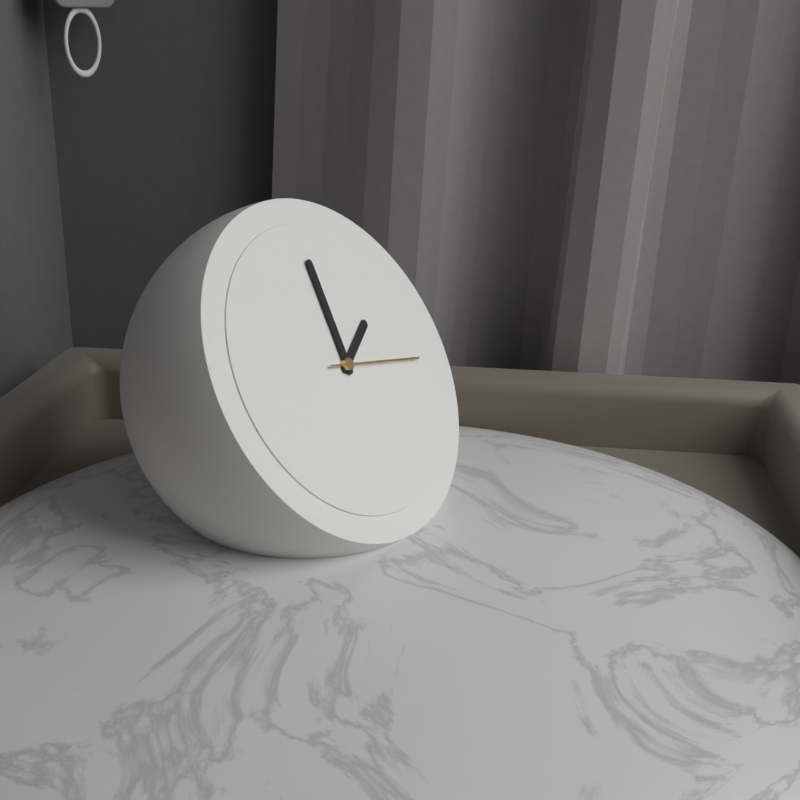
2:01:17
